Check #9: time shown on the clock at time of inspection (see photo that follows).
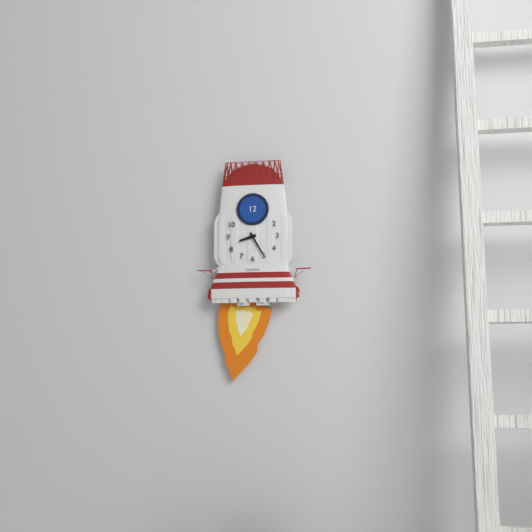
8:25
